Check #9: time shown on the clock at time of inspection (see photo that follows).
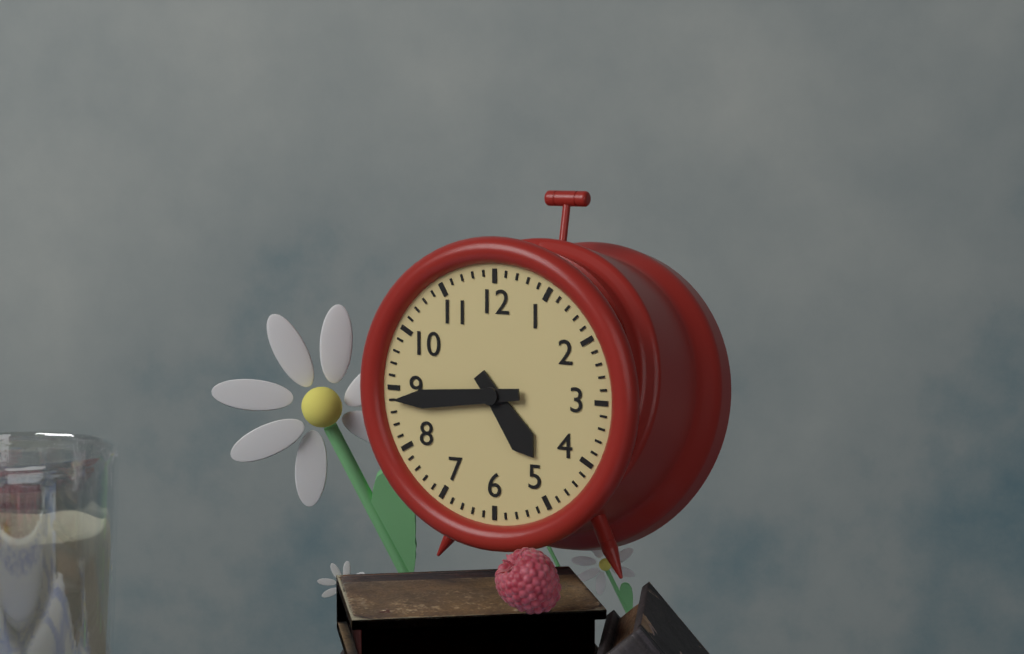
4:44
